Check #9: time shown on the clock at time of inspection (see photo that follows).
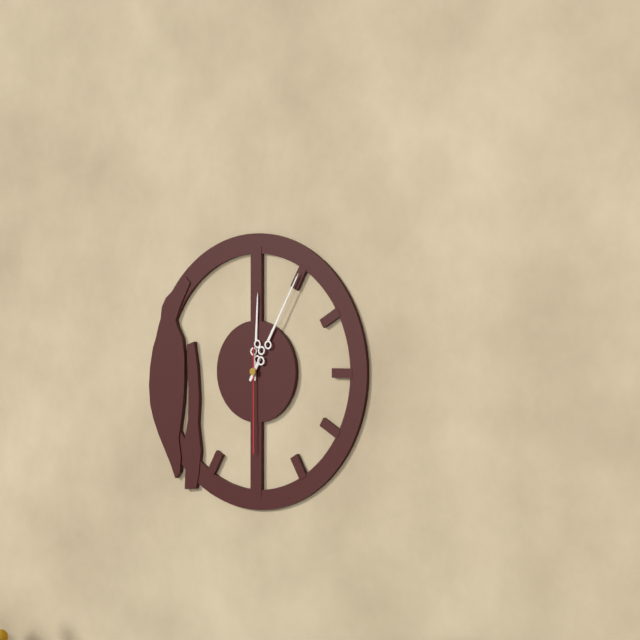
12:05:30
